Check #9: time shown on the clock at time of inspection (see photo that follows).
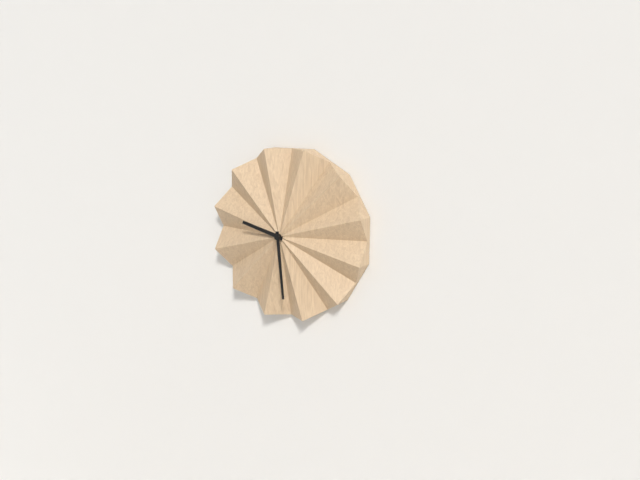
9:29
